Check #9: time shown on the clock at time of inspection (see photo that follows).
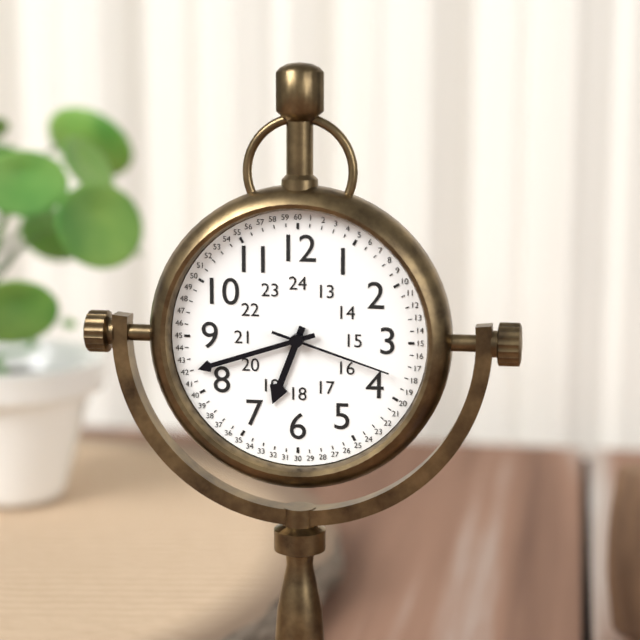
6:42:18
